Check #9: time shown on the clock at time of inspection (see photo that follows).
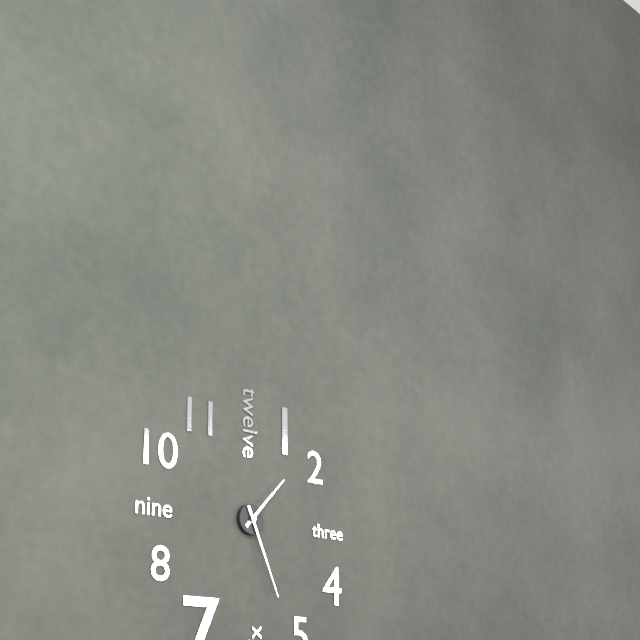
1:26
